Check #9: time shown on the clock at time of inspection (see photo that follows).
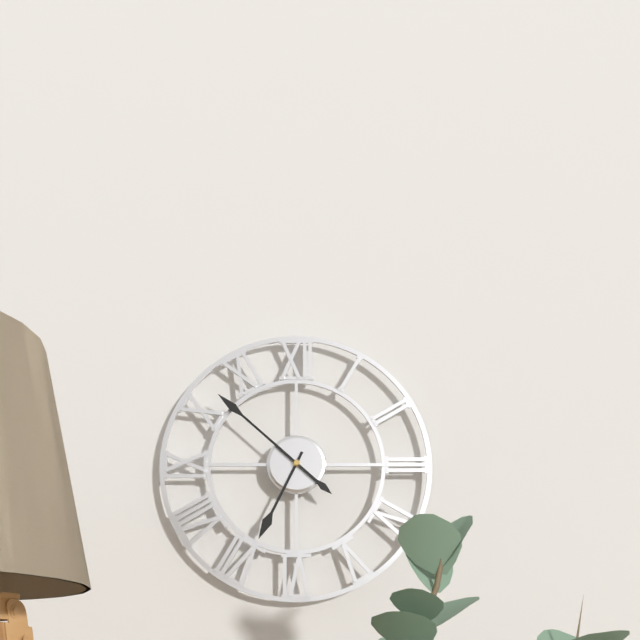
6:52
